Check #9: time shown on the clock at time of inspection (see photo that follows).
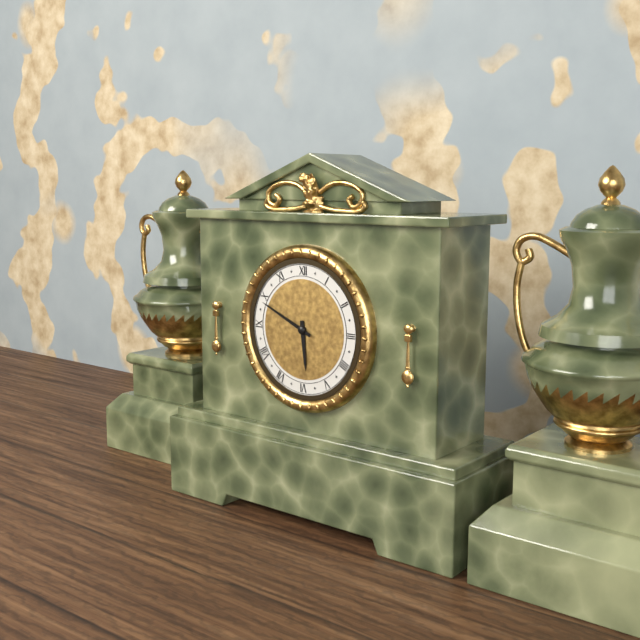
5:49
